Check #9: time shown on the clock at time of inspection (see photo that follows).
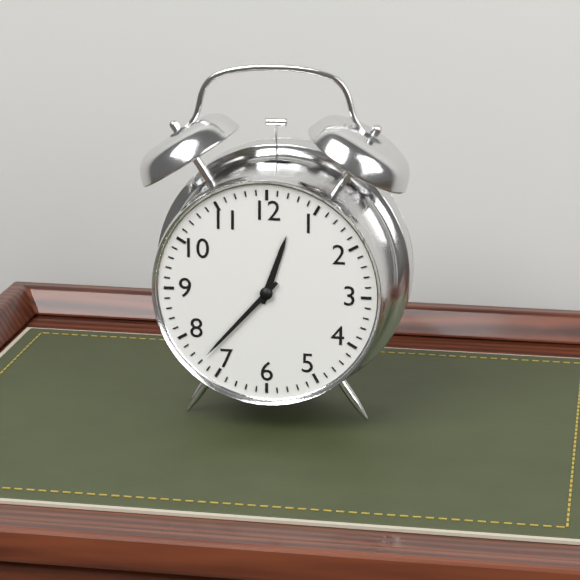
12:37
